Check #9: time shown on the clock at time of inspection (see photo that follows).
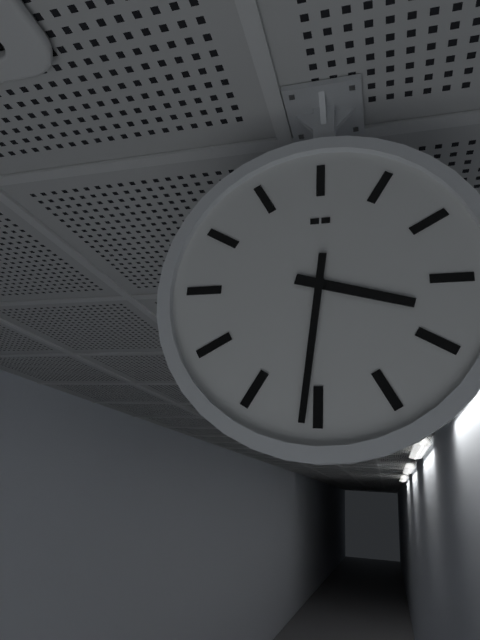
3:31
